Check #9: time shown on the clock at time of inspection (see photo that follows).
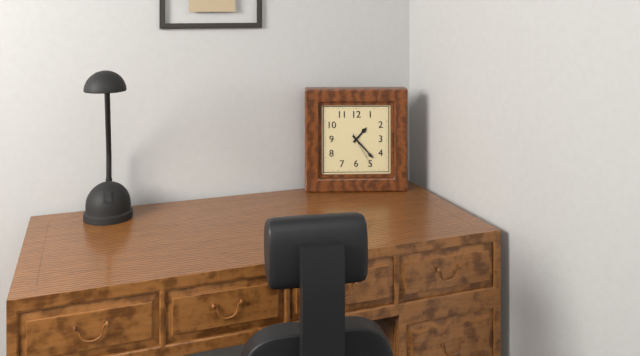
1:23
